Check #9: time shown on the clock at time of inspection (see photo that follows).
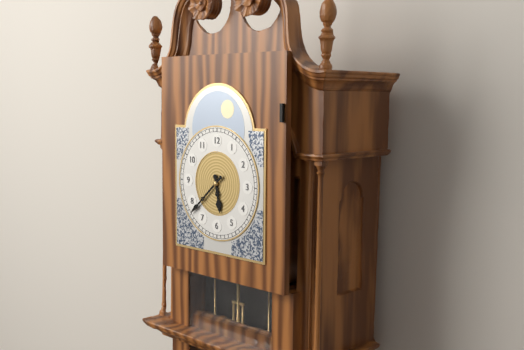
5:38
